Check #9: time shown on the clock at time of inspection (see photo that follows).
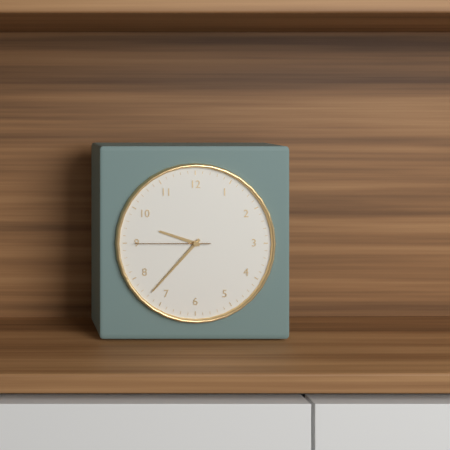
9:37:45
